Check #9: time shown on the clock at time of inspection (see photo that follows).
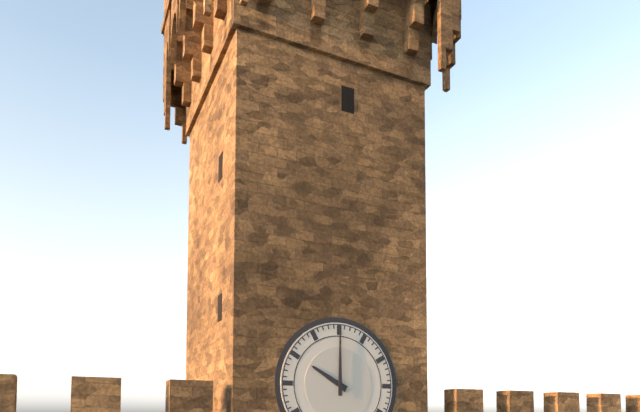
10:00
